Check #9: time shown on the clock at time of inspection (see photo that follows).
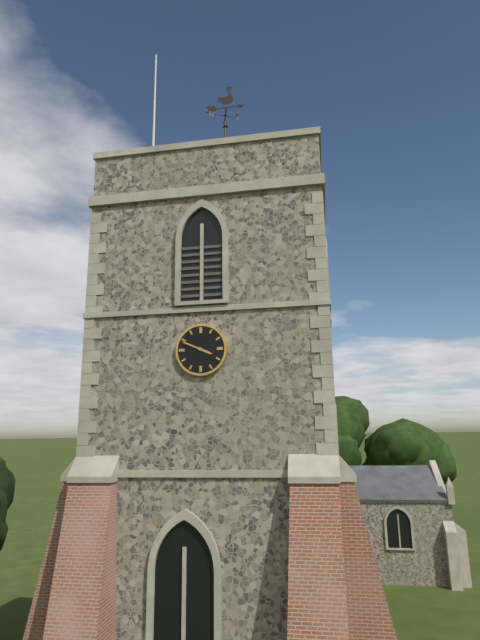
3:49
